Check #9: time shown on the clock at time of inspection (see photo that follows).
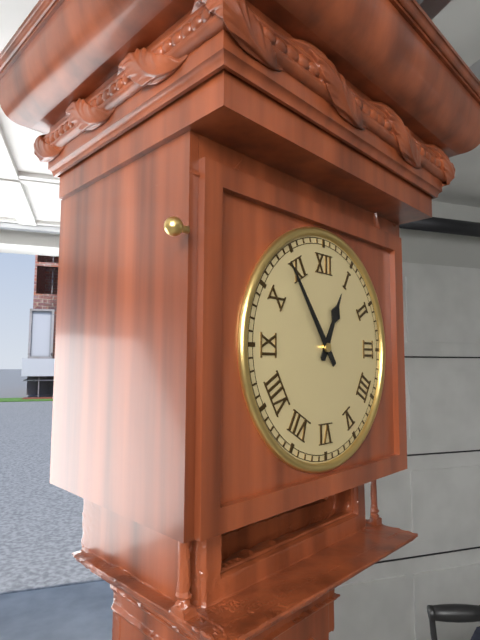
12:54
